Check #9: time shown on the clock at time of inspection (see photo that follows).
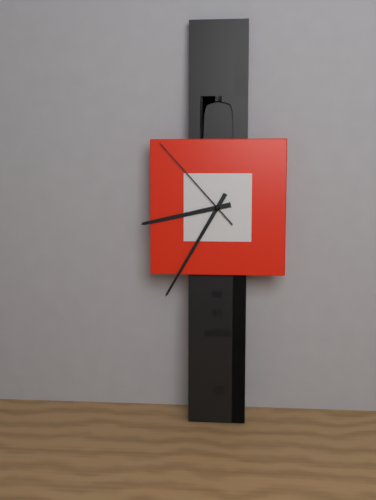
8:35:53
